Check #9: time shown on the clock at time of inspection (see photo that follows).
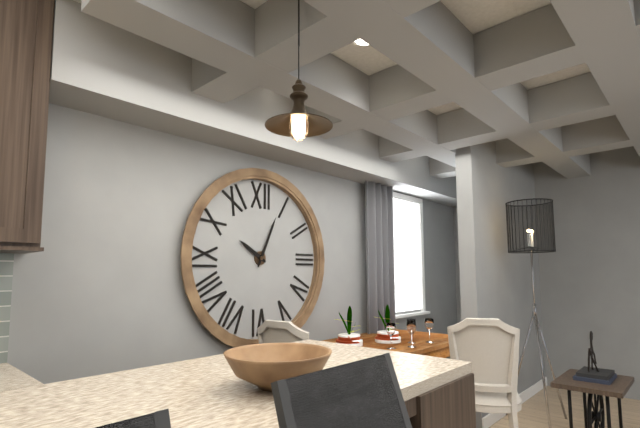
10:04
